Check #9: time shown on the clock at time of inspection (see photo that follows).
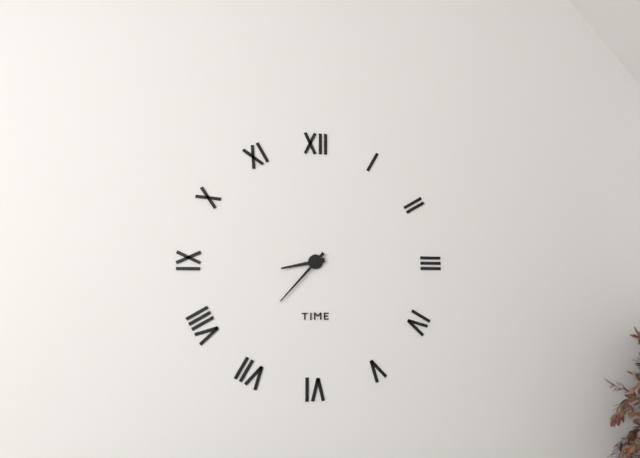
8:37
